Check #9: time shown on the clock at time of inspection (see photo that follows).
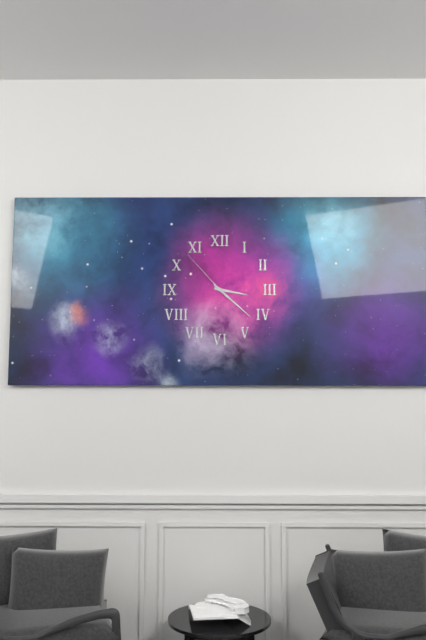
3:22:53
